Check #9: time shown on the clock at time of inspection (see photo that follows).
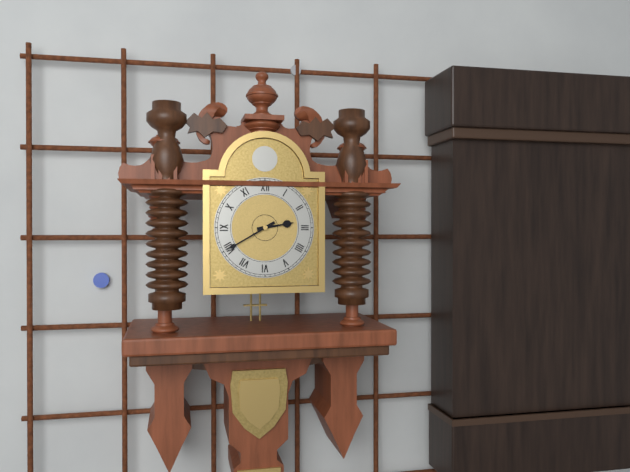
2:40
